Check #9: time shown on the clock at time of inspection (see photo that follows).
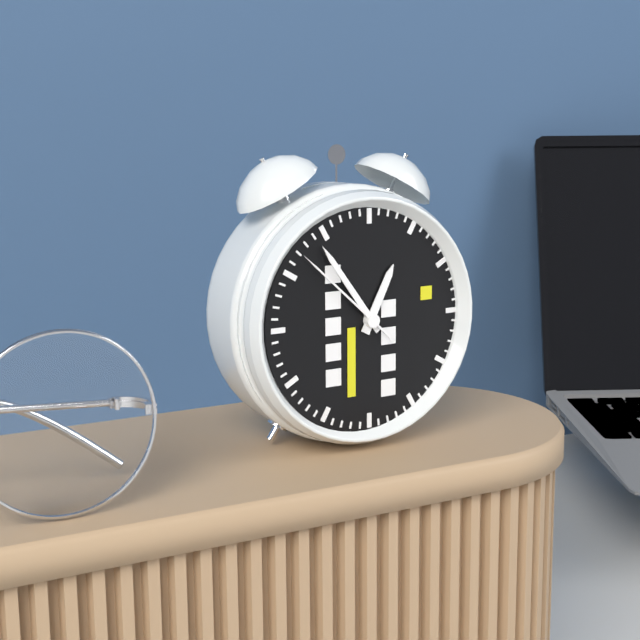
12:54:52
